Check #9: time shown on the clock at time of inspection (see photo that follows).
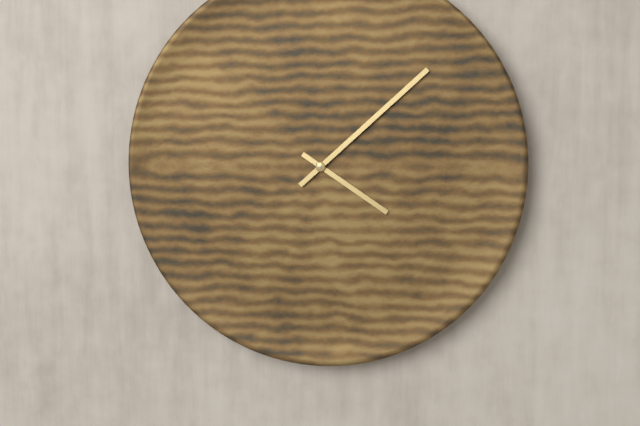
4:08
